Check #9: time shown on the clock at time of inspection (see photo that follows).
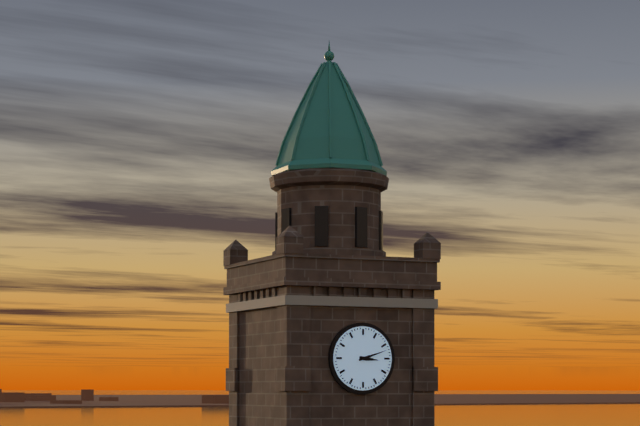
3:12
